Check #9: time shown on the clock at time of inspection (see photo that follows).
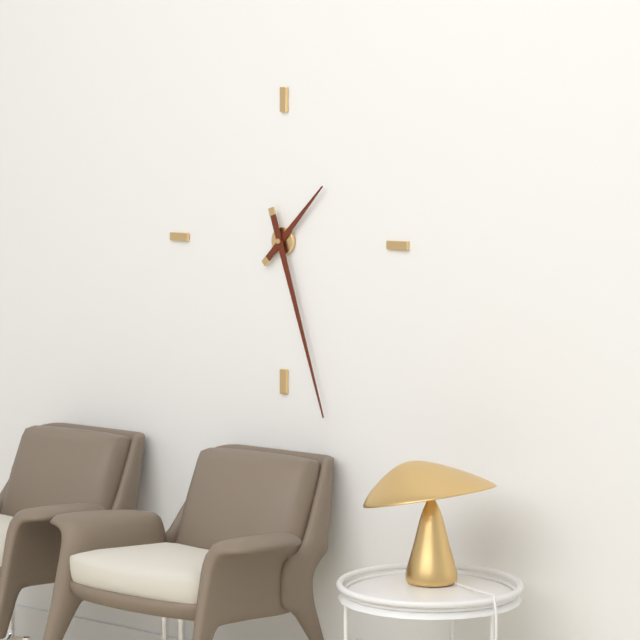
1:27
